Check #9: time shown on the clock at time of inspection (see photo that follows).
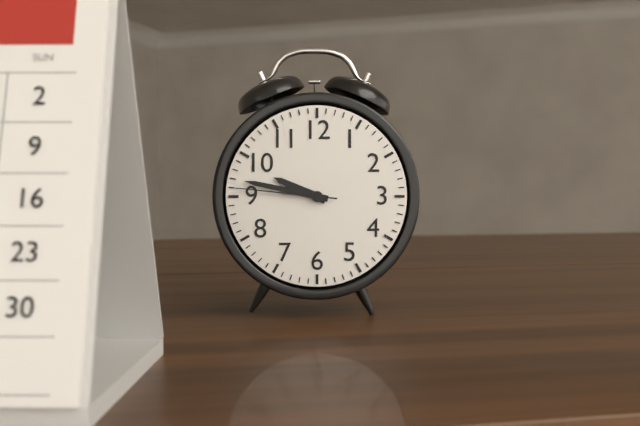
9:47:46
